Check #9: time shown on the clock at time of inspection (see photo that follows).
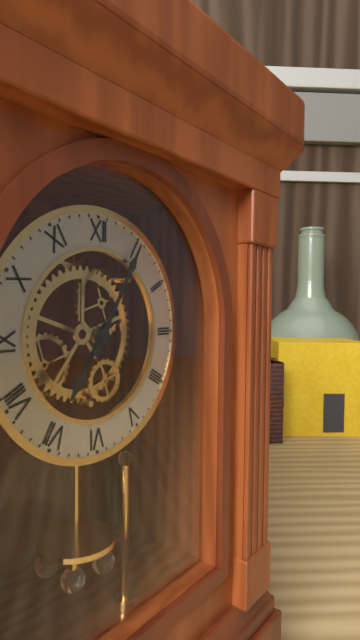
7:05
